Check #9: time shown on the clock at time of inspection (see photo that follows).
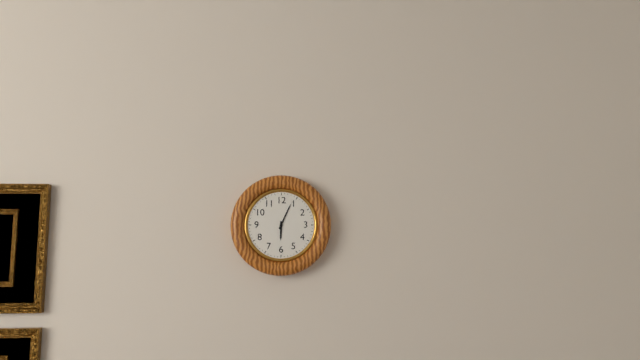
6:04
